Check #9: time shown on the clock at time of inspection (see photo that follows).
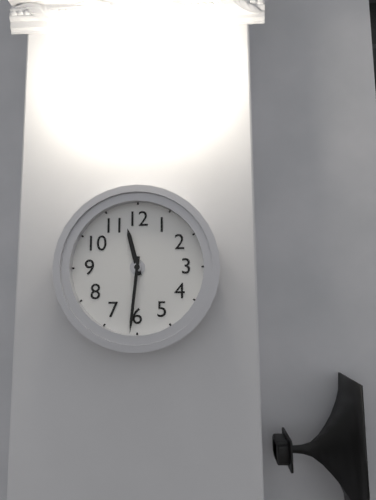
11:31
